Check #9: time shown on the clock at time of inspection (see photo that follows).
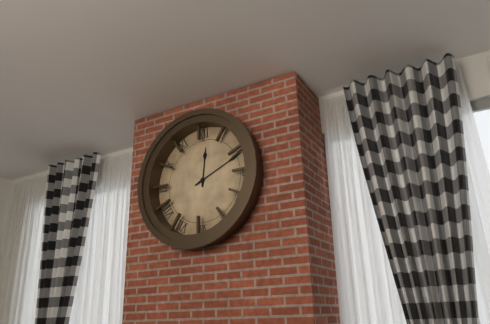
12:11
